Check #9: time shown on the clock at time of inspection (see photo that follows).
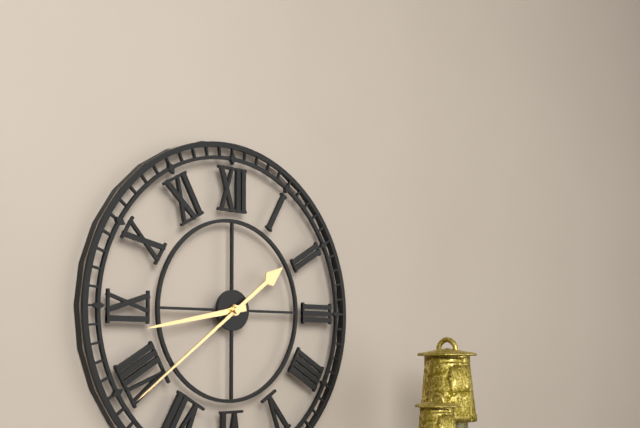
8:39
